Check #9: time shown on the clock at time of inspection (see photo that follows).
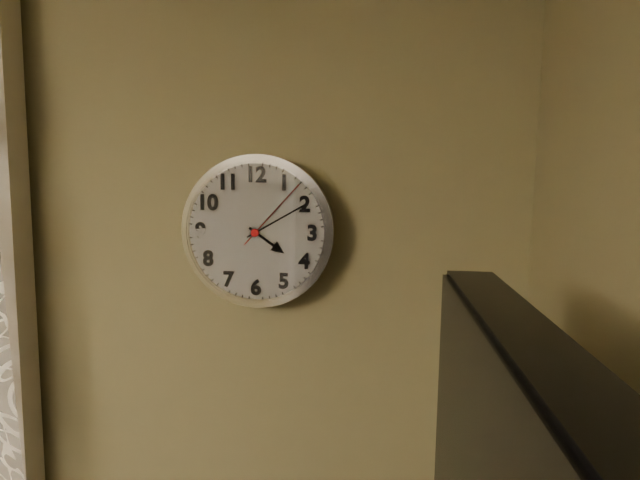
4:10:07
